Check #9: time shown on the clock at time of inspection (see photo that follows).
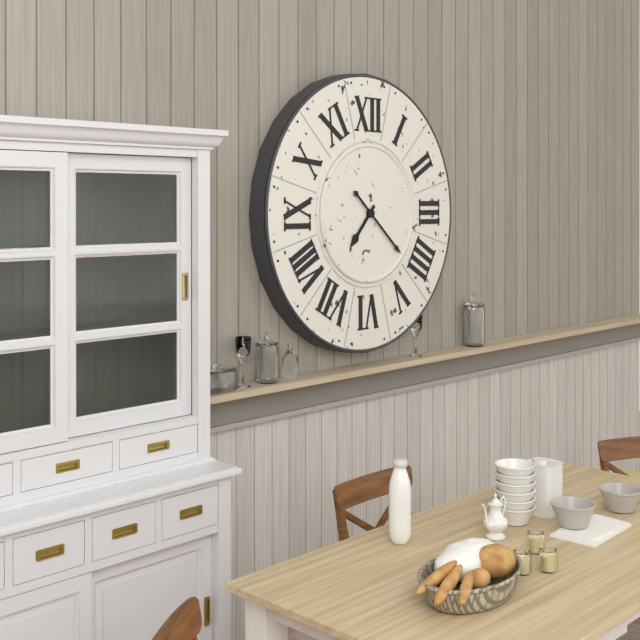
7:22
